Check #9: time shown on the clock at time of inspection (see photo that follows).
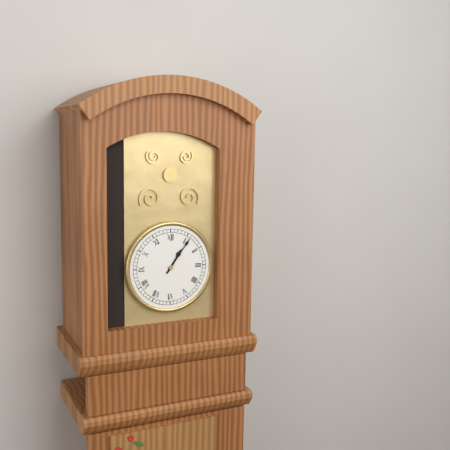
1:06
